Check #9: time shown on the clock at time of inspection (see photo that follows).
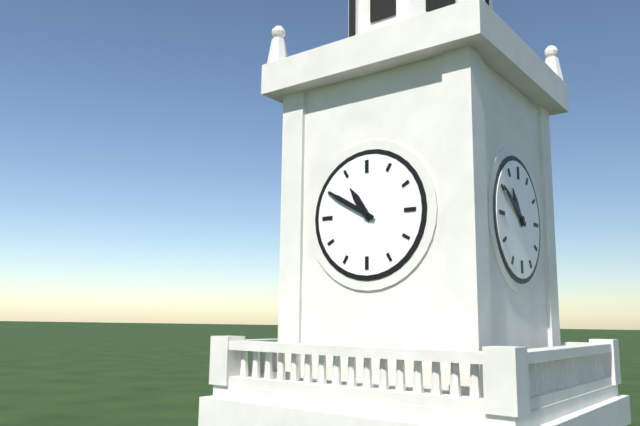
10:50
